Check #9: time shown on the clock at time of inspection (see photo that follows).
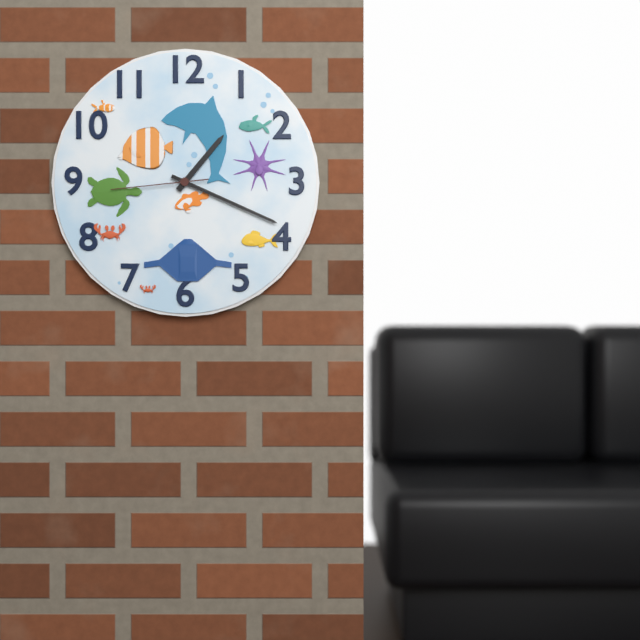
1:19:44
